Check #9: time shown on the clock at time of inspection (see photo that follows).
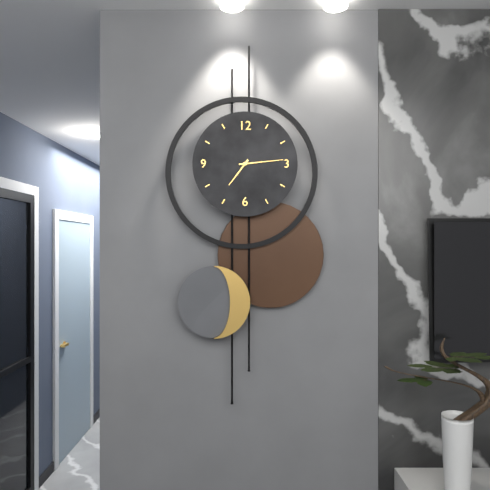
7:14
